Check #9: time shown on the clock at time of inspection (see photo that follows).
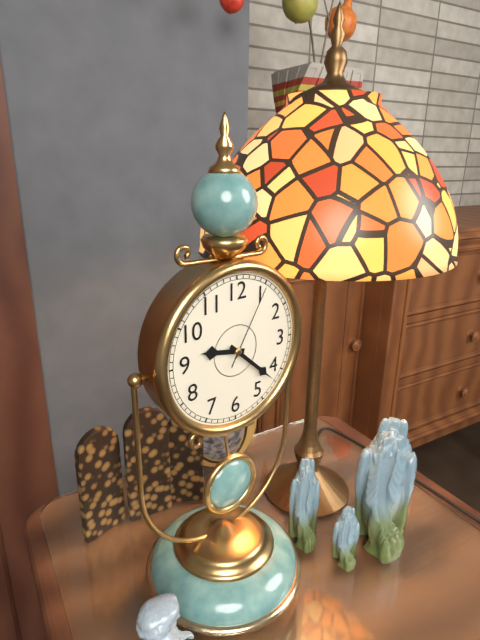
9:22:05
